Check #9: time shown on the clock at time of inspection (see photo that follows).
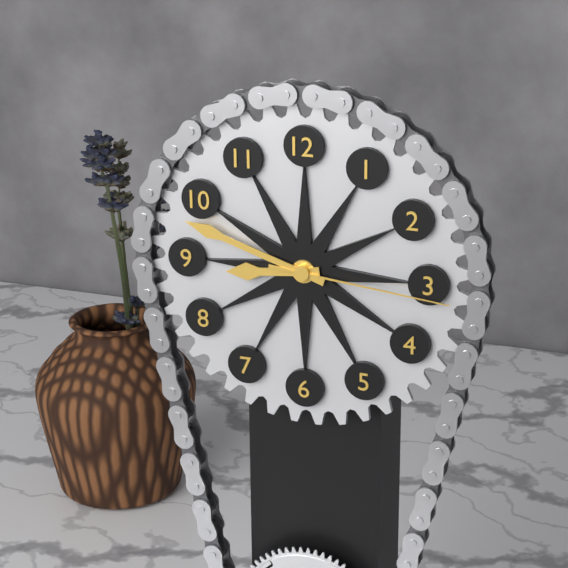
8:48:16
